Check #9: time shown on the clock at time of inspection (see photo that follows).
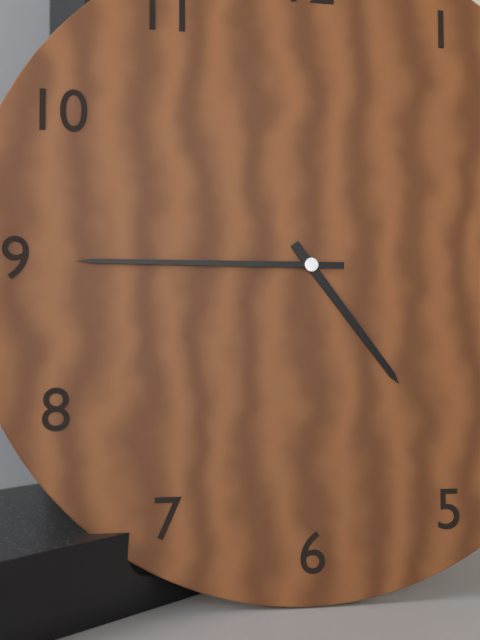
4:45
